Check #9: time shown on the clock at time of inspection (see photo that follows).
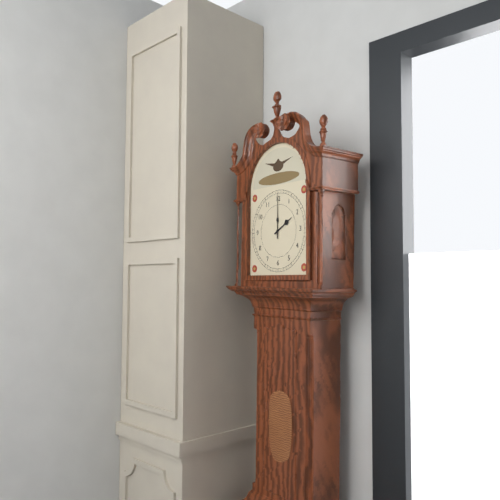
2:00
